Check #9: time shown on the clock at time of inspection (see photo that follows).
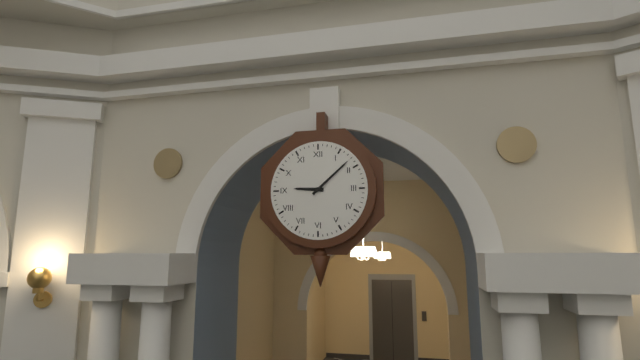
9:08
